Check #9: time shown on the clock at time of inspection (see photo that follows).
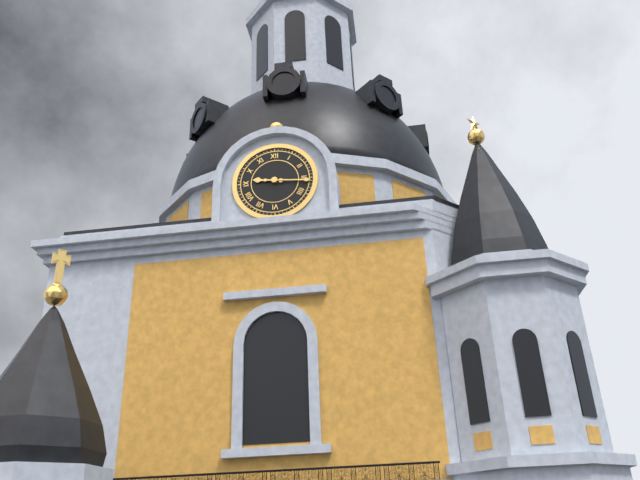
9:16
